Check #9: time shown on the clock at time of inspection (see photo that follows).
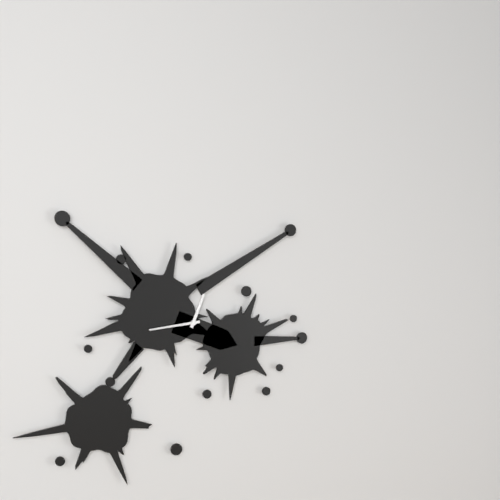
12:44
